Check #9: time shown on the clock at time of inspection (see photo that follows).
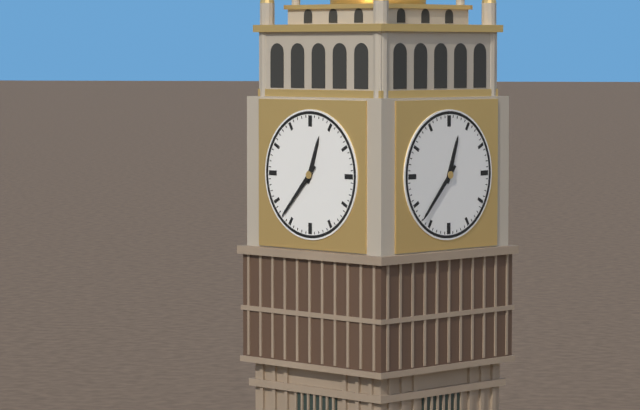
12:37
